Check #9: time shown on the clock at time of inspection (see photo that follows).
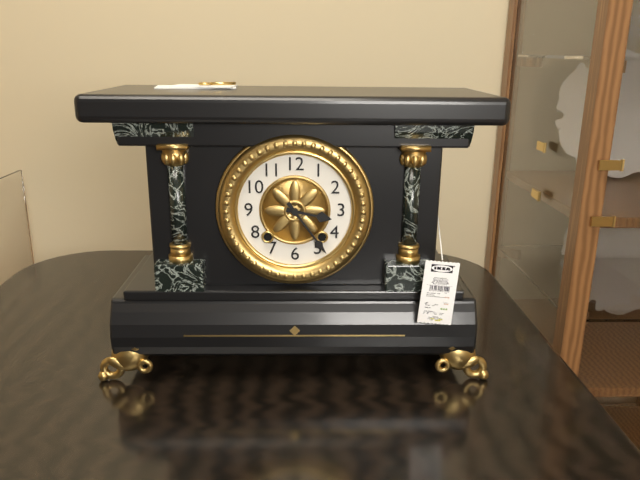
3:24
